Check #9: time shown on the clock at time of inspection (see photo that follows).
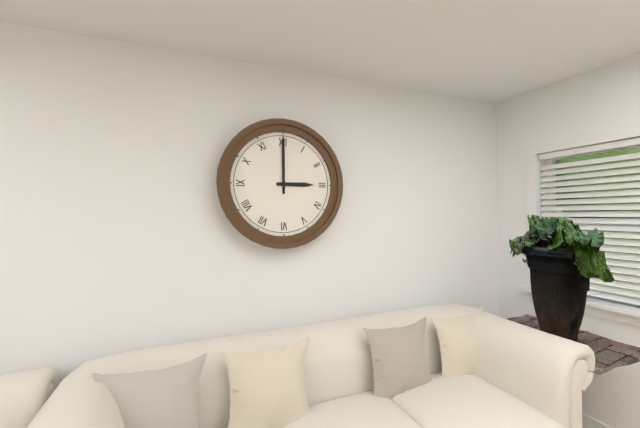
3:00
